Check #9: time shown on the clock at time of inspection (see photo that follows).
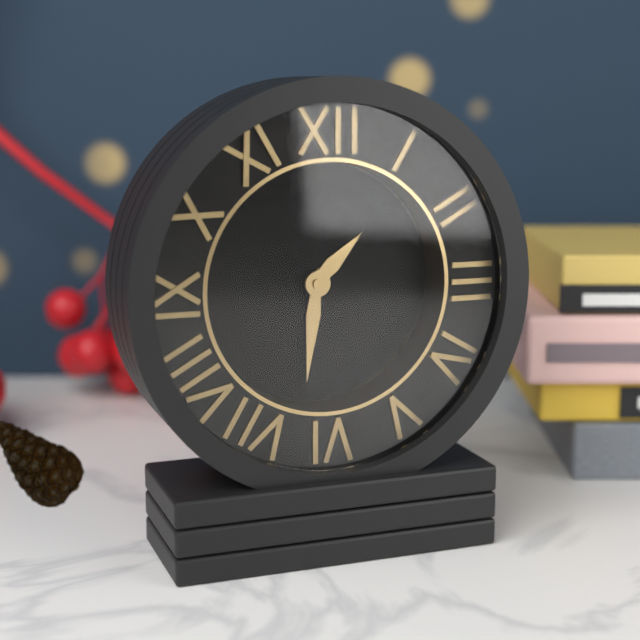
1:31
